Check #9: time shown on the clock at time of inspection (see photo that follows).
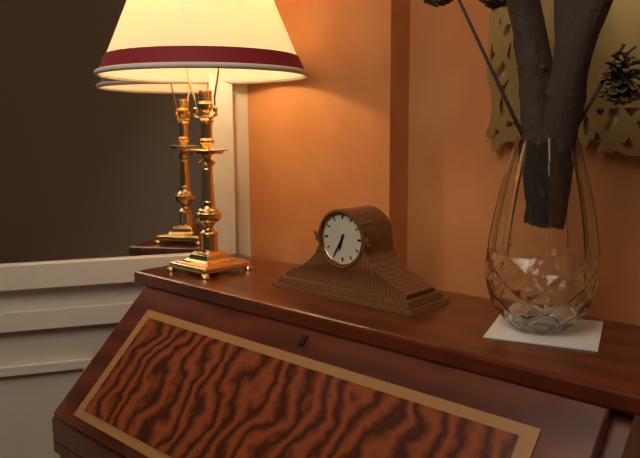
6:35
